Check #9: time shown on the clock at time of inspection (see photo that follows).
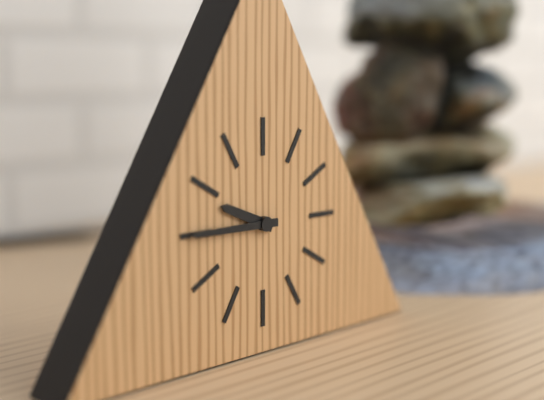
9:45
